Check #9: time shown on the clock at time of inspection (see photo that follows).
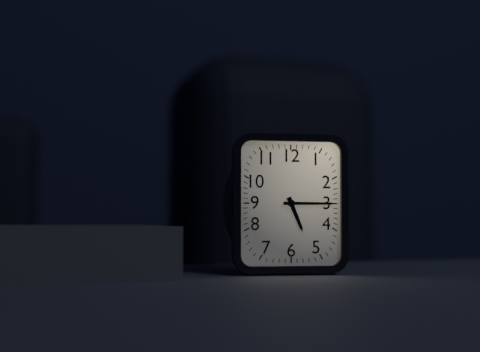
5:15
